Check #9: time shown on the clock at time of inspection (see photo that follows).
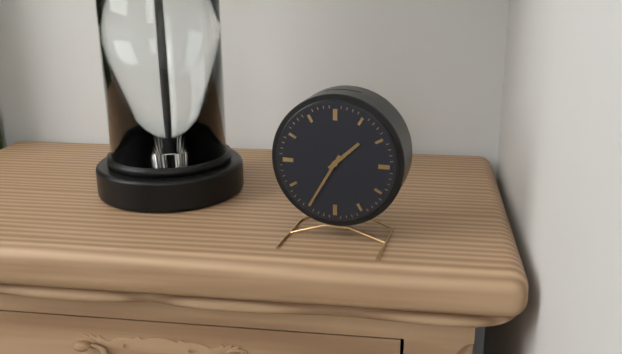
1:35
